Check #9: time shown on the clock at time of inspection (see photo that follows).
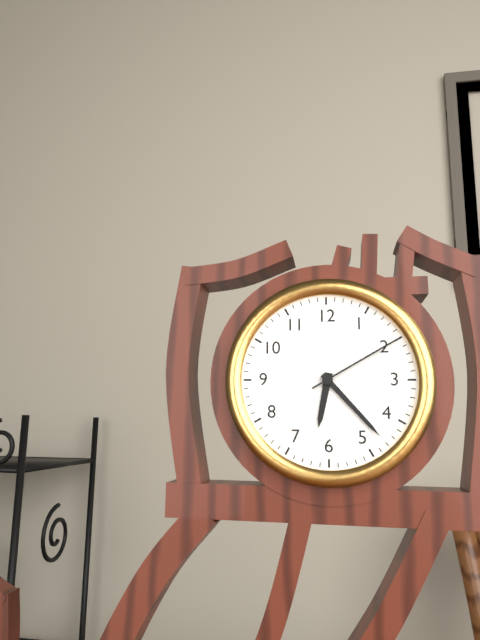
6:23:10
